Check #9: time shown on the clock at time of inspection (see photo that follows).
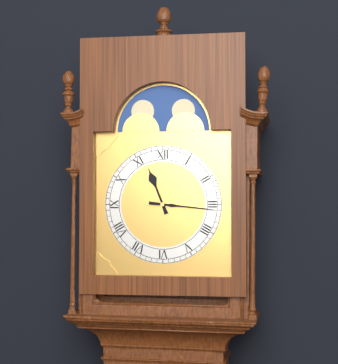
11:16
